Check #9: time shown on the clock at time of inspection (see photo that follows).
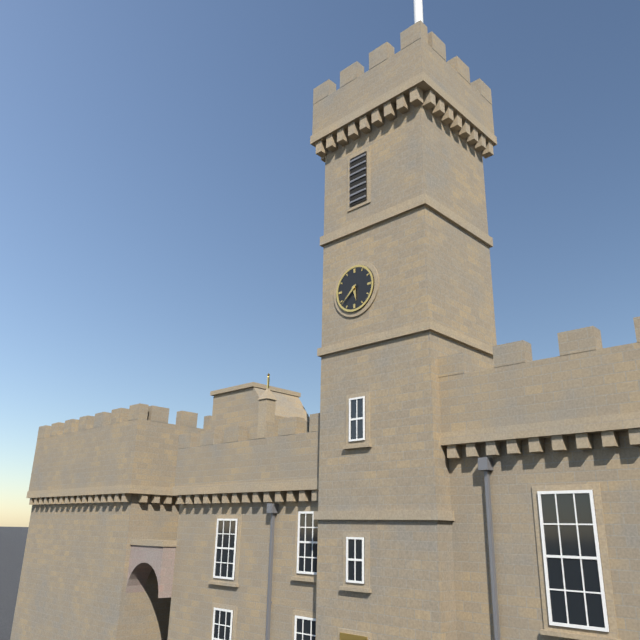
5:38
